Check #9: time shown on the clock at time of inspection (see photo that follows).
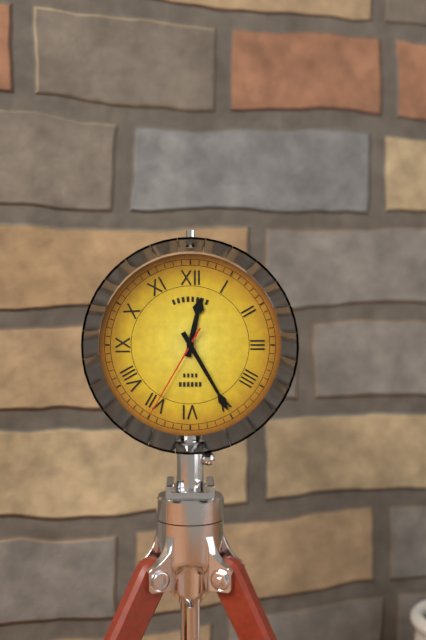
12:25:35
